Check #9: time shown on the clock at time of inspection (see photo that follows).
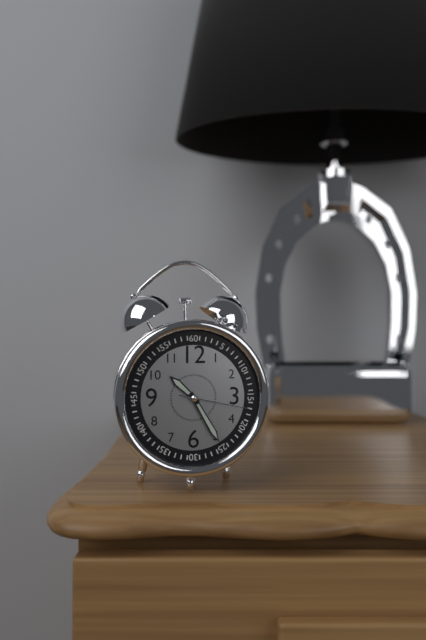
10:25:17
